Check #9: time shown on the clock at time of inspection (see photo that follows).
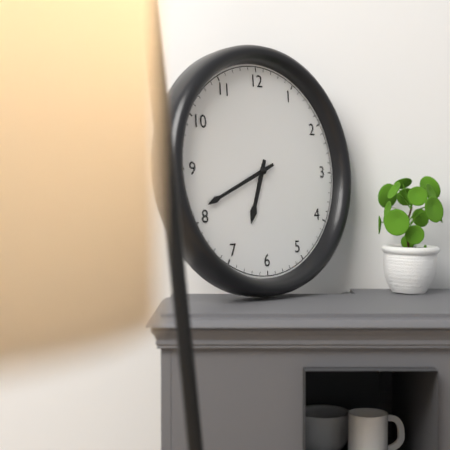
6:41
